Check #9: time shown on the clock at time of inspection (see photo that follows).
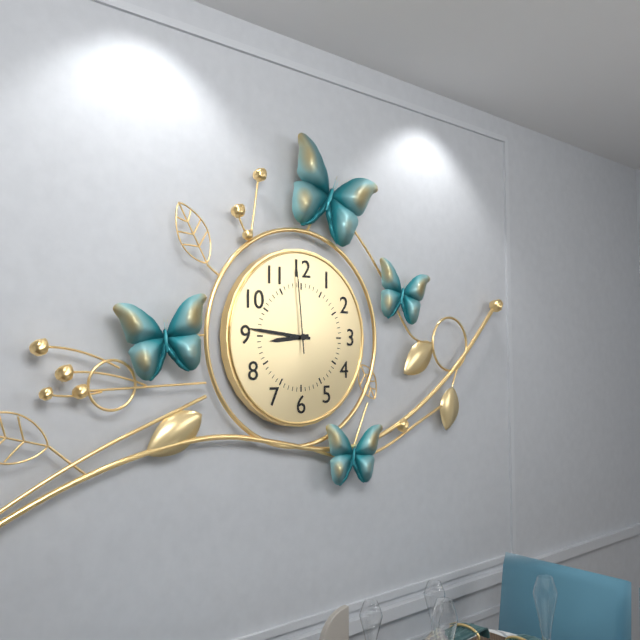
8:46:59
